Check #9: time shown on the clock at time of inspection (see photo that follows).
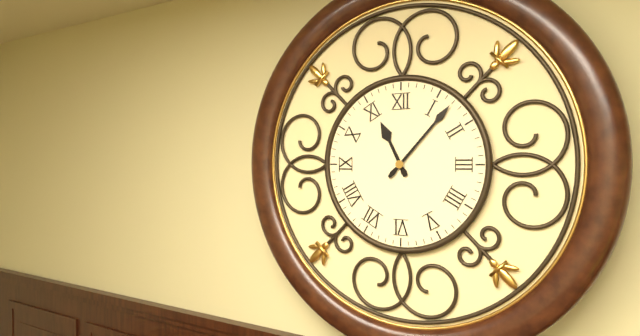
11:07
